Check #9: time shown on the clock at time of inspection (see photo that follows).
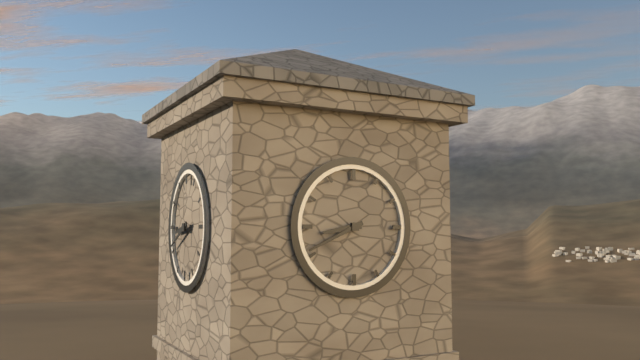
8:41
